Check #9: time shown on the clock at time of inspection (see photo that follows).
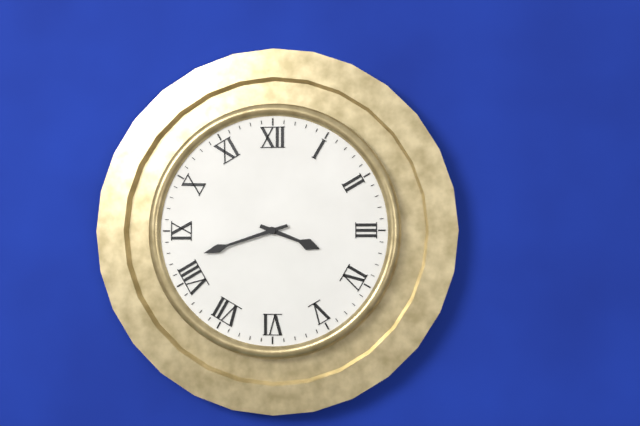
3:42
